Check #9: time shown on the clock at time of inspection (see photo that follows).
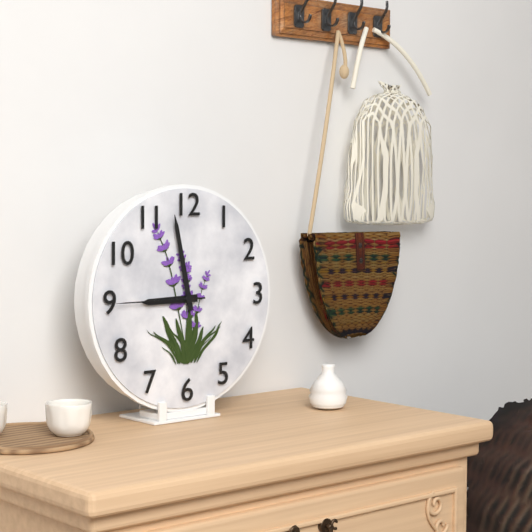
8:58:45
